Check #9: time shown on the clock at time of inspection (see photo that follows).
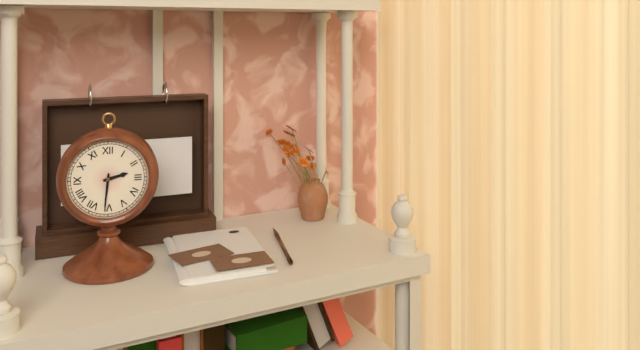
2:31
